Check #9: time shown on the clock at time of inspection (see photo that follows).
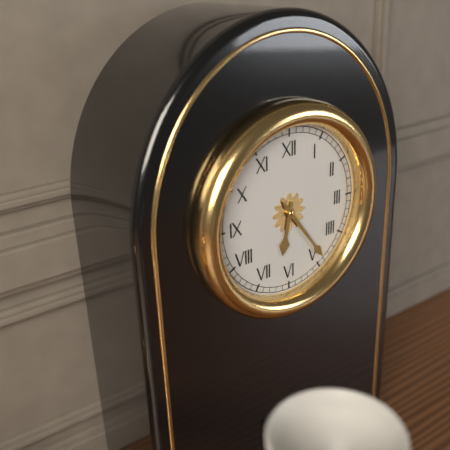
6:24
